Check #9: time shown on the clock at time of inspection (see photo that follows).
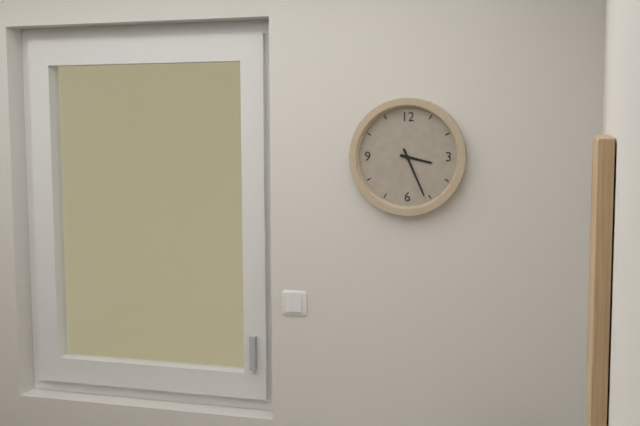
3:26
